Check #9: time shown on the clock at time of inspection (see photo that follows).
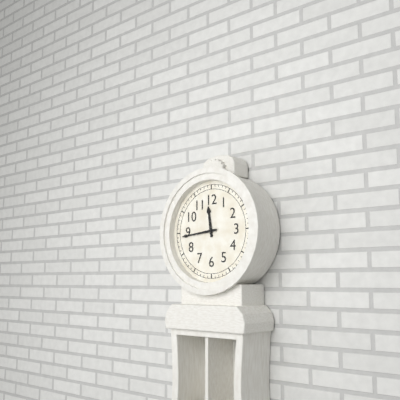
11:44
